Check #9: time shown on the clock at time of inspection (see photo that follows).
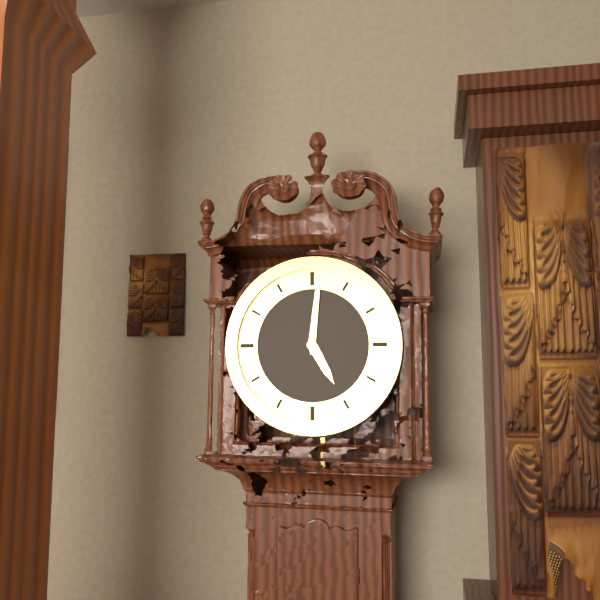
5:01
